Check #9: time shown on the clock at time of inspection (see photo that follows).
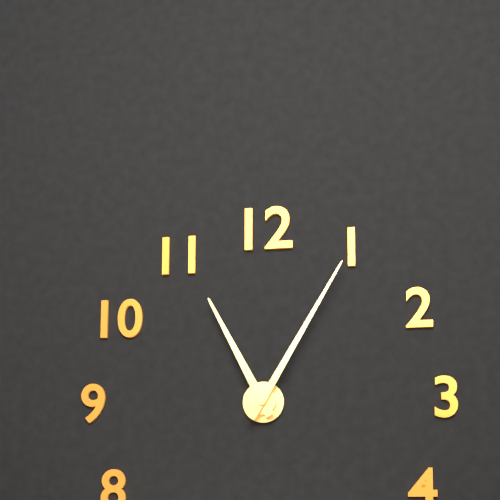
11:05
